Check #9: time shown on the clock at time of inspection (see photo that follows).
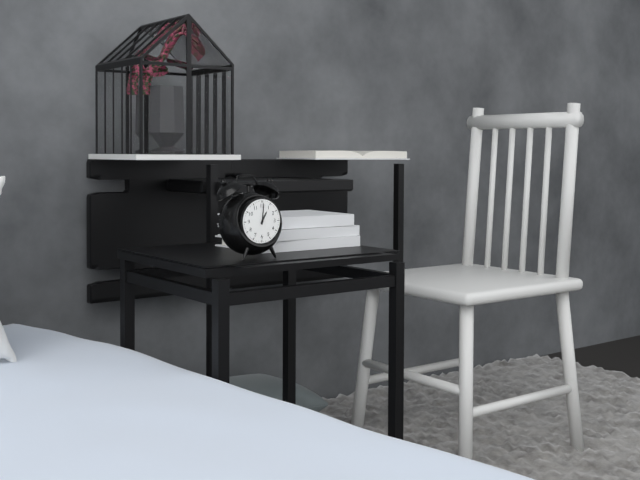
1:01
